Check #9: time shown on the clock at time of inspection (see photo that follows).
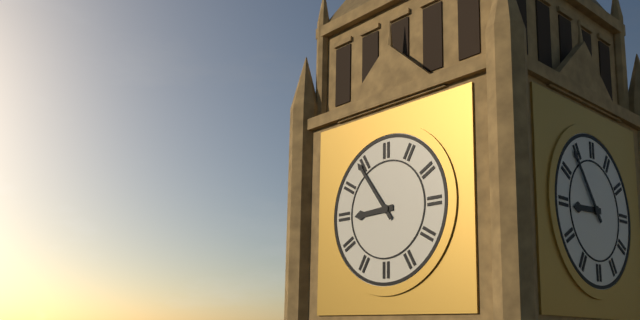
8:54
